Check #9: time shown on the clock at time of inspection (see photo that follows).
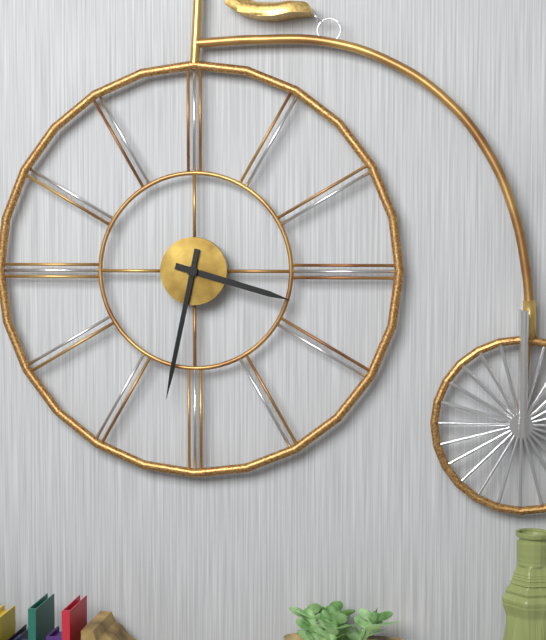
3:32
